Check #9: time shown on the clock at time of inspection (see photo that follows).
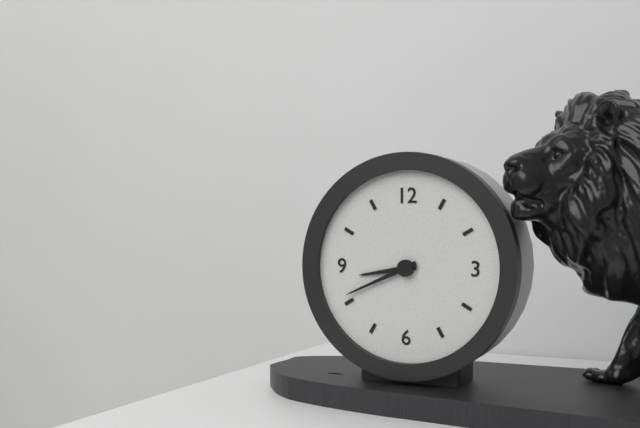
8:41
